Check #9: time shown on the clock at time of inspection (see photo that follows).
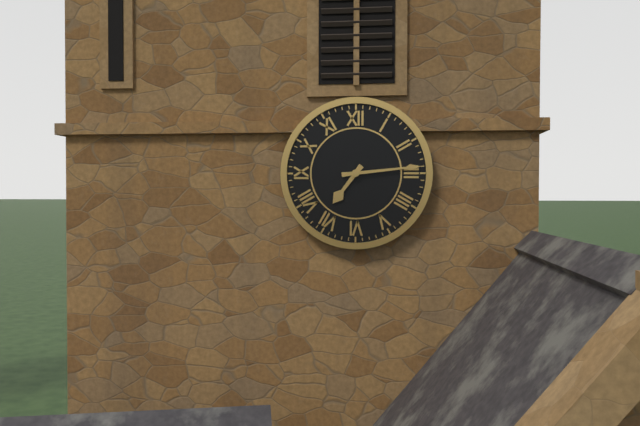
7:14
